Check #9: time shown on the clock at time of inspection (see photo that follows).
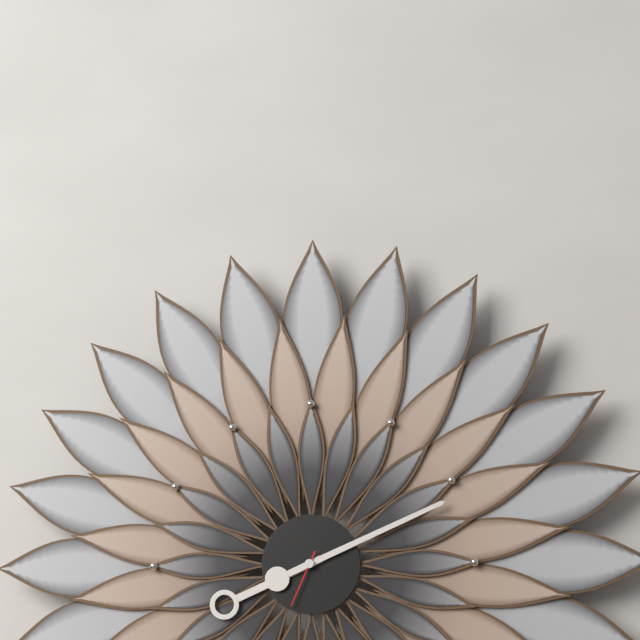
8:11:34
